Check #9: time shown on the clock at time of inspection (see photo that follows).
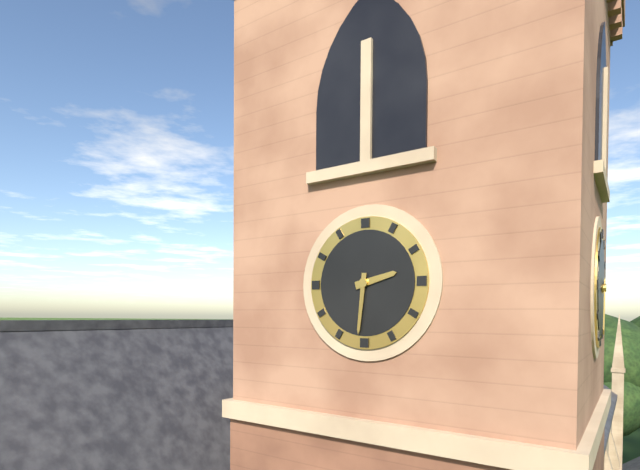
2:31
